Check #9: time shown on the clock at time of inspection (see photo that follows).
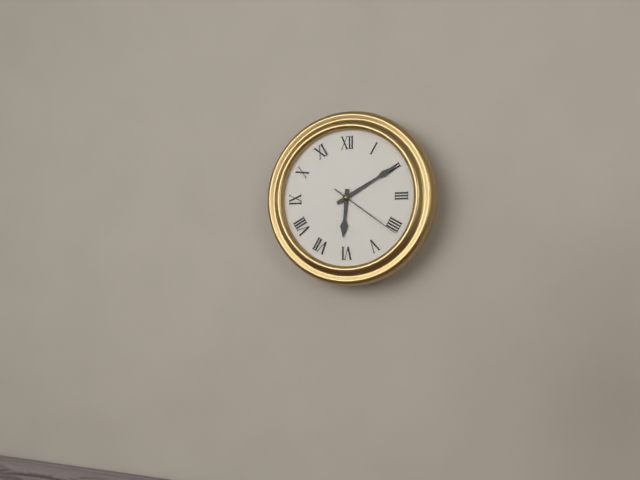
6:10:21
